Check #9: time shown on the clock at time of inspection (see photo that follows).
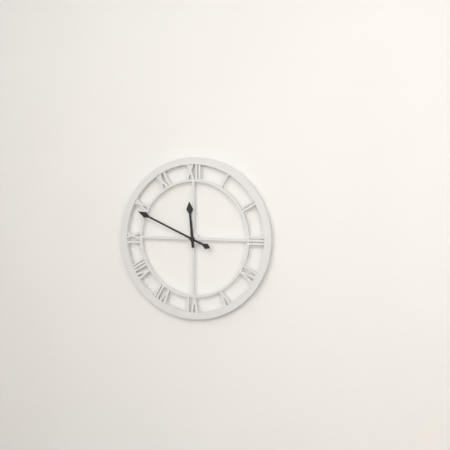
11:49
